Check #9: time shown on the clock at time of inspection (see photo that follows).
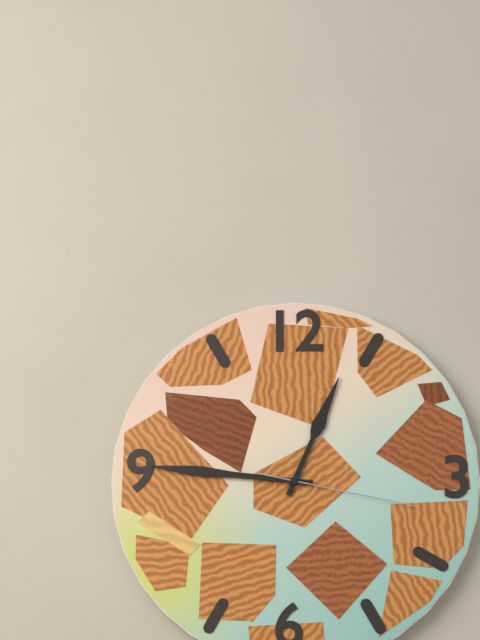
12:46:17
